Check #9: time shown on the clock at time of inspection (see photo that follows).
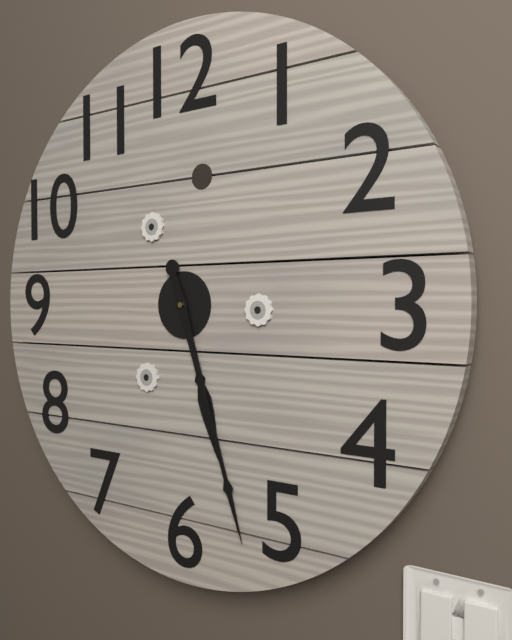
5:27
